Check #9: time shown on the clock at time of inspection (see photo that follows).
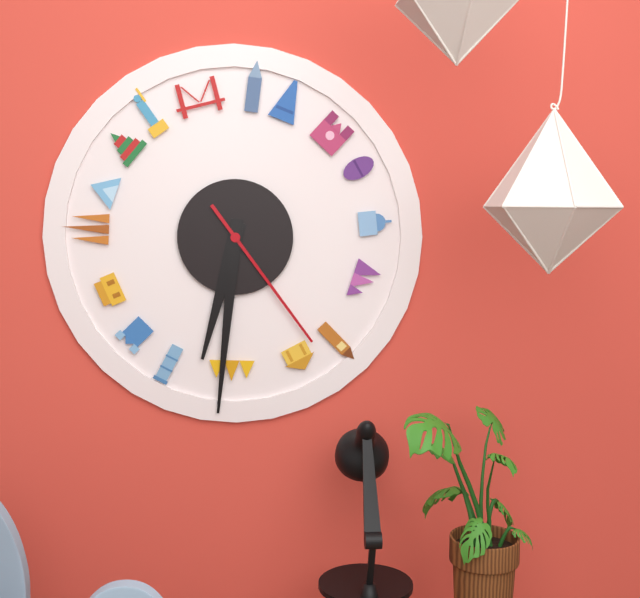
6:31:24
